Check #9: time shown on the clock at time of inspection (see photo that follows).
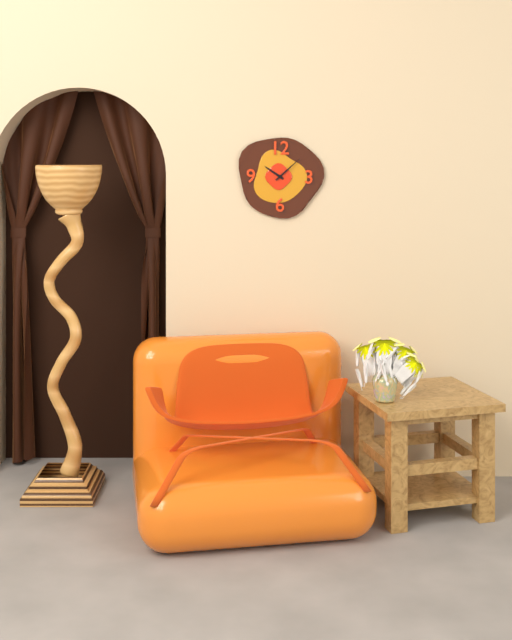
10:08
